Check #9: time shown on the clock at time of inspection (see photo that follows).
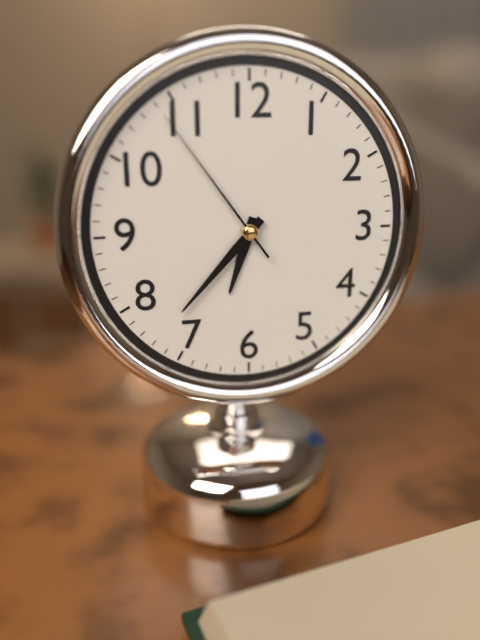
6:37:54
